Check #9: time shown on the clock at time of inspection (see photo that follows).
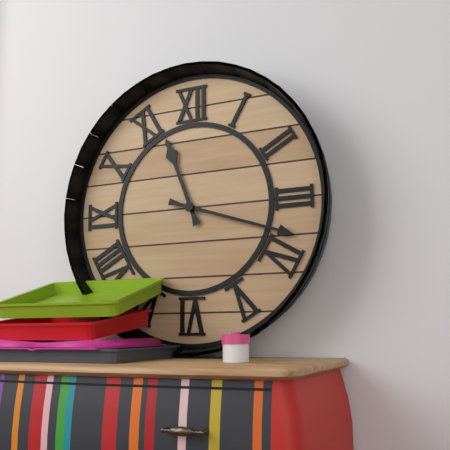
11:18
